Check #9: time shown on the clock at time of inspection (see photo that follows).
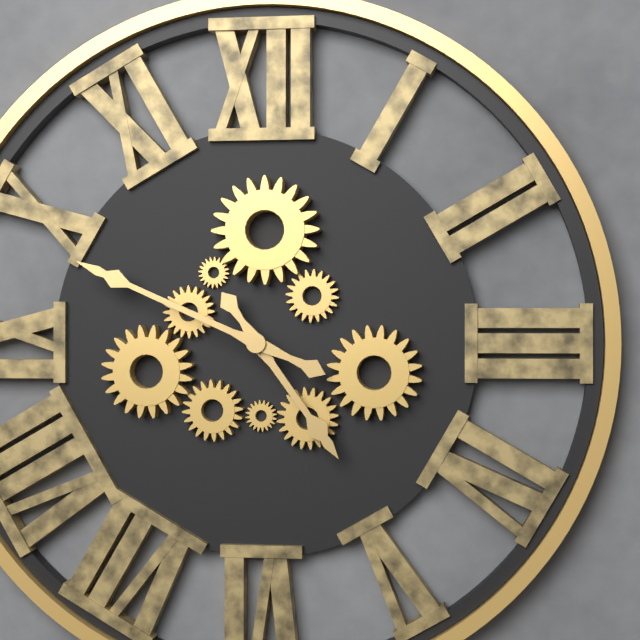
4:49
